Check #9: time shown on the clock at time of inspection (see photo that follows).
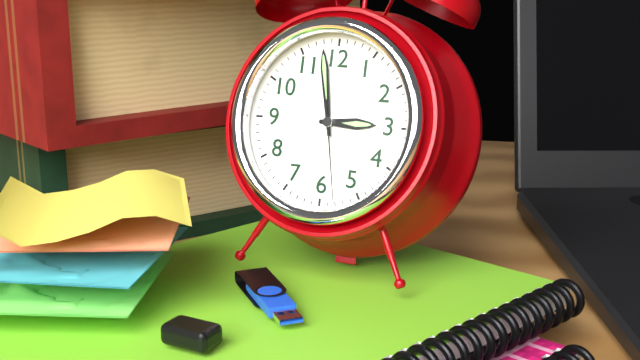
2:58:28
